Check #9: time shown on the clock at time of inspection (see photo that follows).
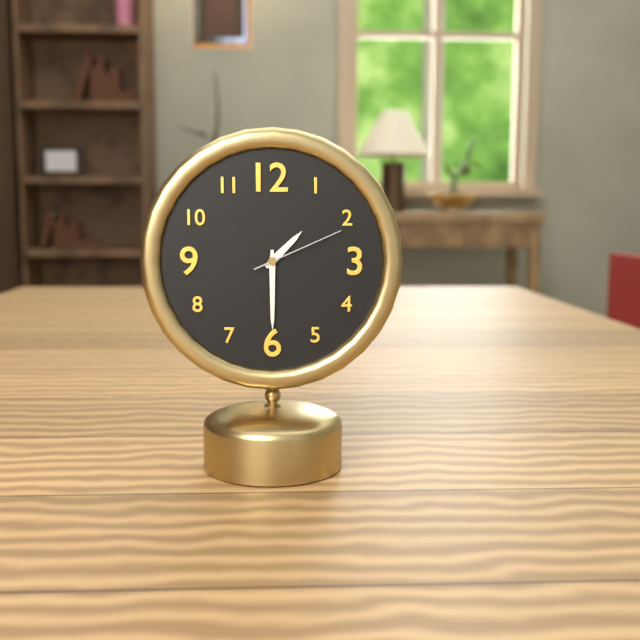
1:30:11
